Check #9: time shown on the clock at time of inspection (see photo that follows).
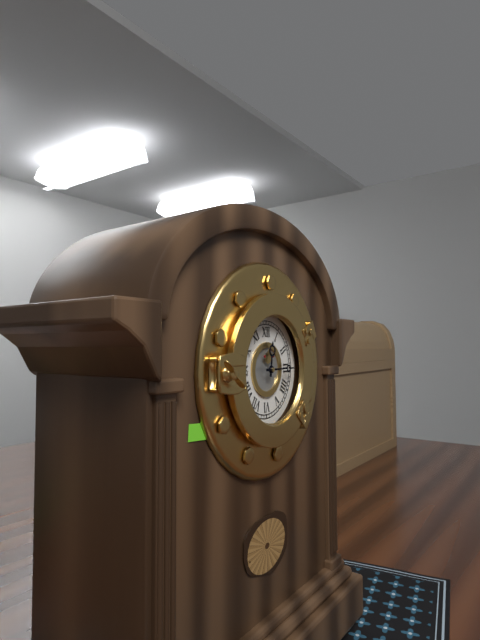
12:15
